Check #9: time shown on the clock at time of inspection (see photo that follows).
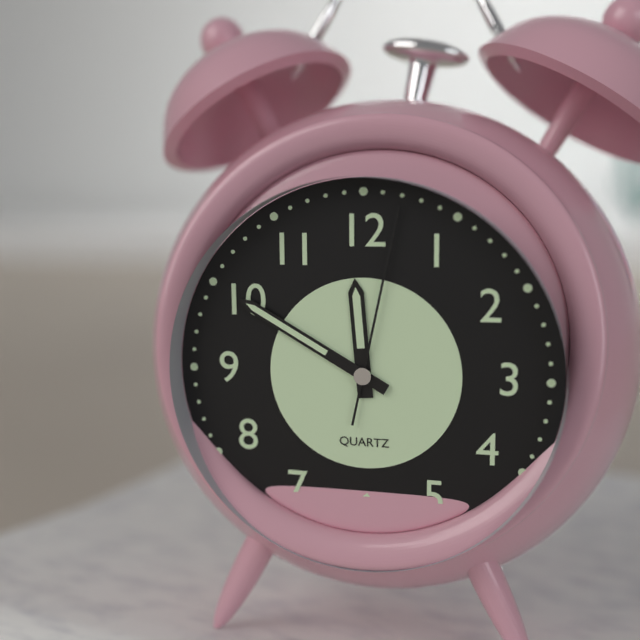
11:50:02
